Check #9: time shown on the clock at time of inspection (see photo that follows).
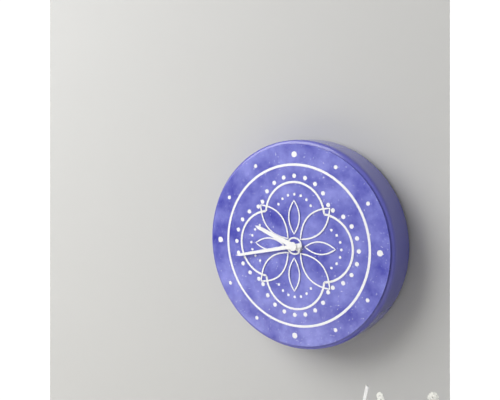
9:43
